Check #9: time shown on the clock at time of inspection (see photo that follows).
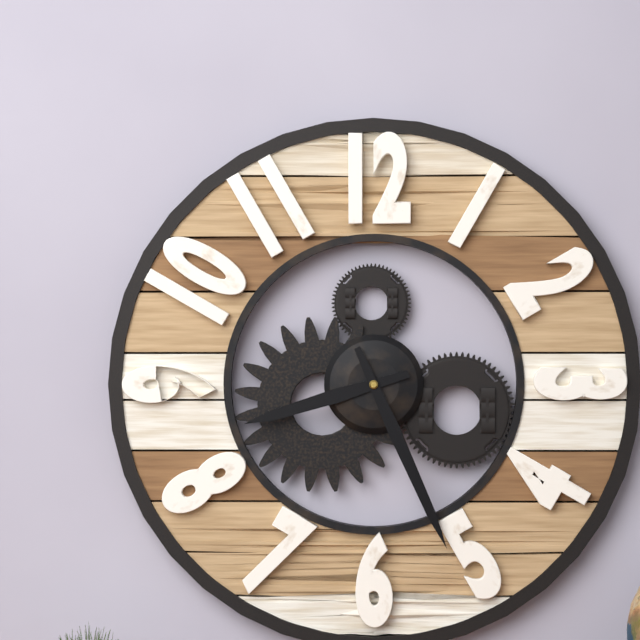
8:26
